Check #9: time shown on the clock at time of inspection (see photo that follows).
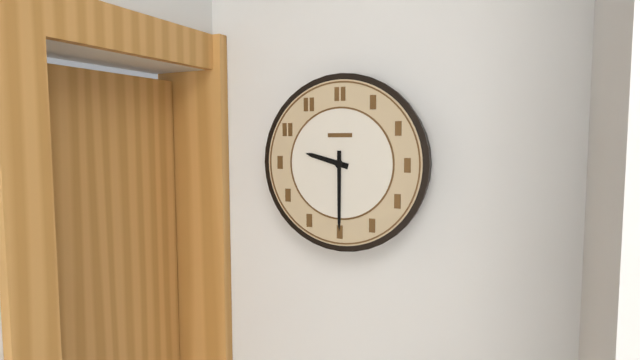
9:30
